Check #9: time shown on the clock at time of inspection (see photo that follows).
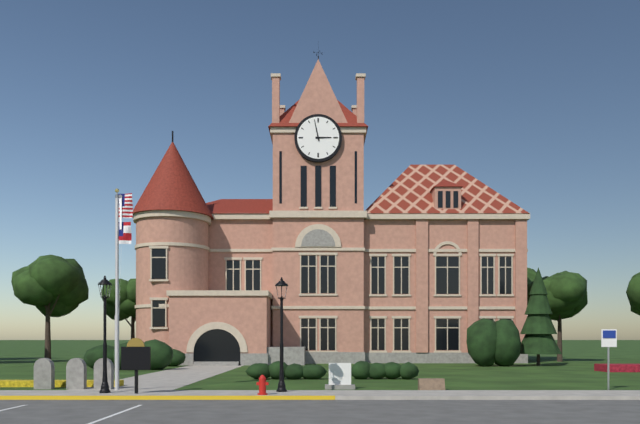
2:58
